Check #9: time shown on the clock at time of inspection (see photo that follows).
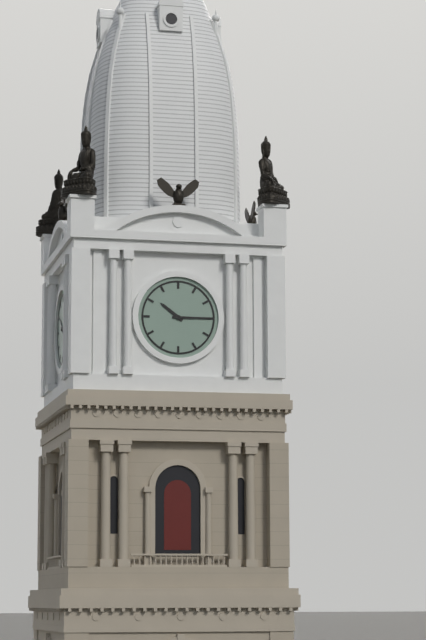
10:15
